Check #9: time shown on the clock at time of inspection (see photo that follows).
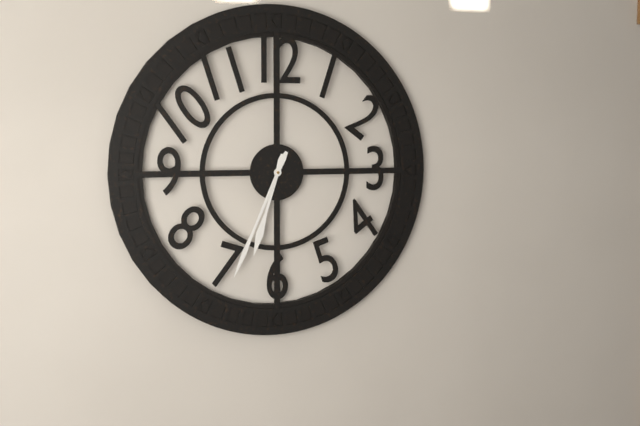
6:34
